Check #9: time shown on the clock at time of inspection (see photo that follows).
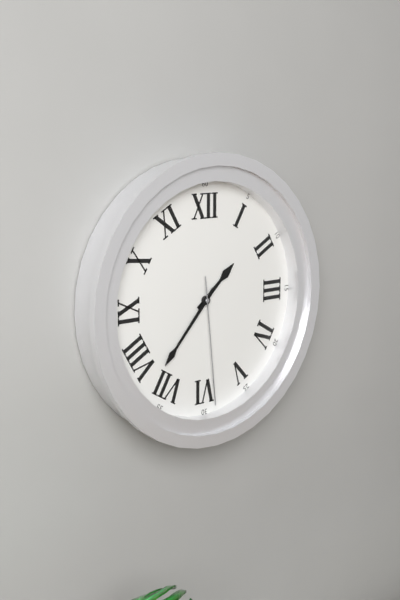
1:37:29
